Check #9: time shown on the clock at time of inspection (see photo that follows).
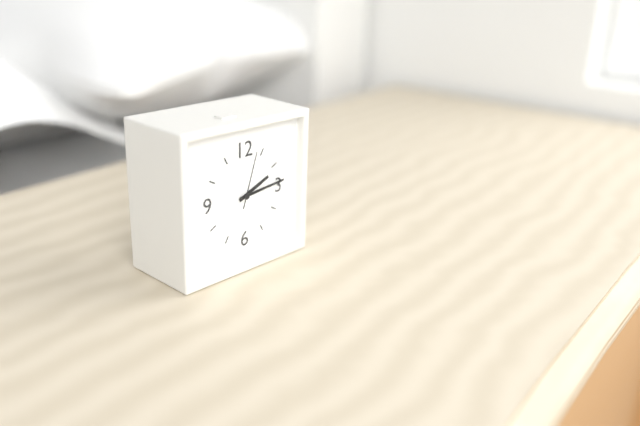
2:14:03
